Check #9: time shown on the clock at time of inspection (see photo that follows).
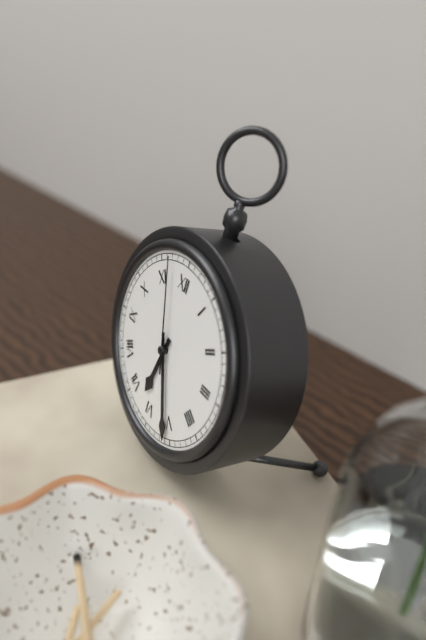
6:26:57
